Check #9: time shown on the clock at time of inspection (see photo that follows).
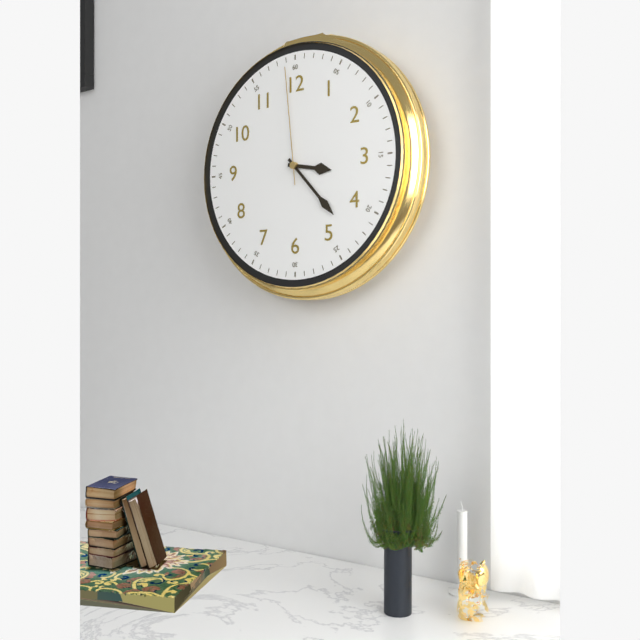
3:23:59
